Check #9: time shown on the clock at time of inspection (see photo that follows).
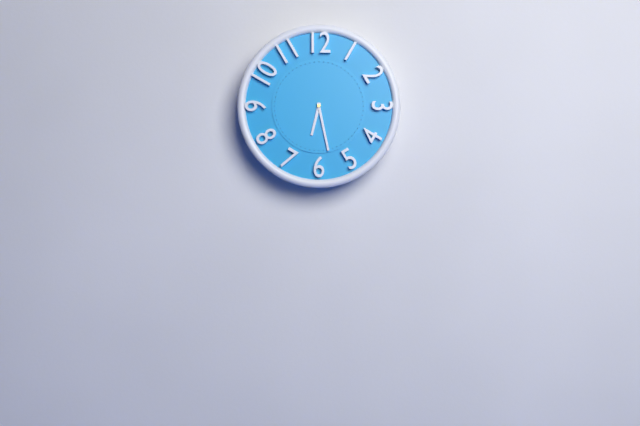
6:28
